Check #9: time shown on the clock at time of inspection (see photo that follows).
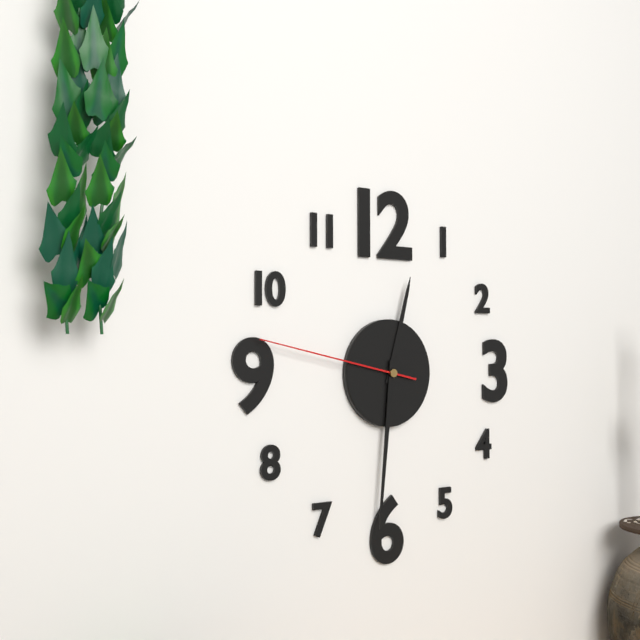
12:31:47
